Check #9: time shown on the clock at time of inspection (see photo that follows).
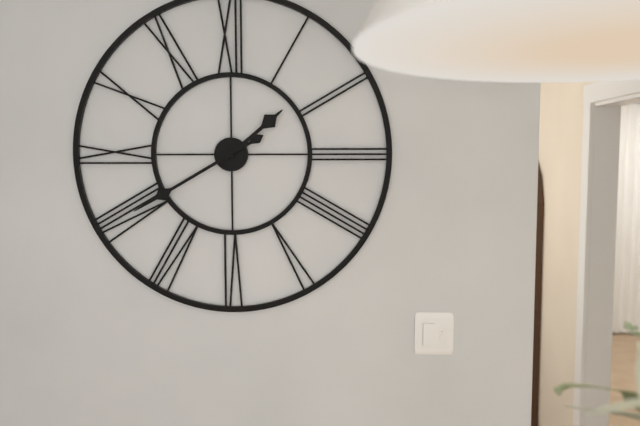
1:40
